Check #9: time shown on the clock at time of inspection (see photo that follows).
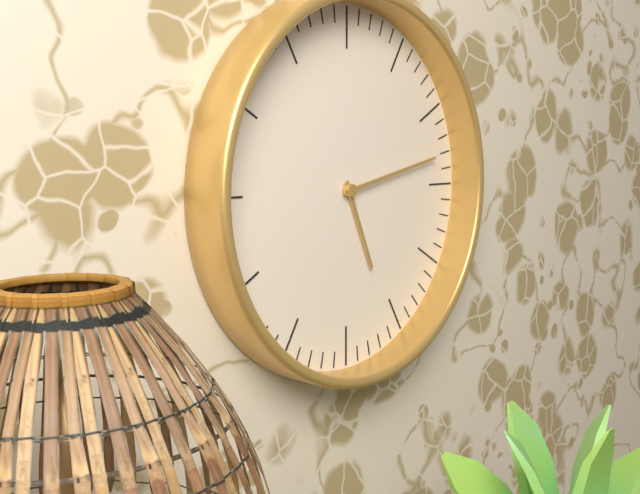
5:13
